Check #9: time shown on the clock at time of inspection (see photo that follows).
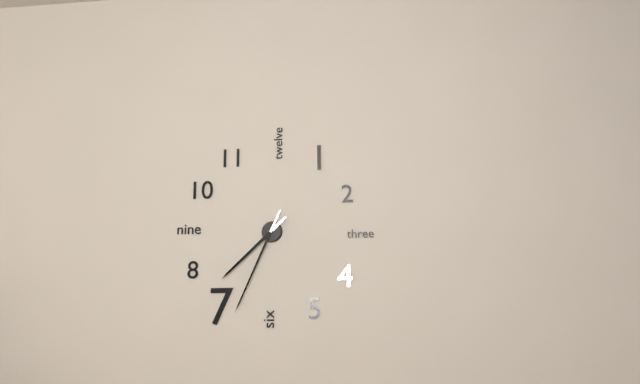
7:34
